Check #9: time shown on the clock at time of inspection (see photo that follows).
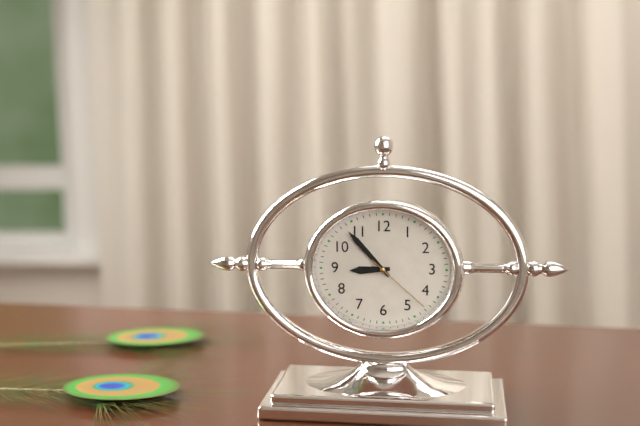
8:53:22
